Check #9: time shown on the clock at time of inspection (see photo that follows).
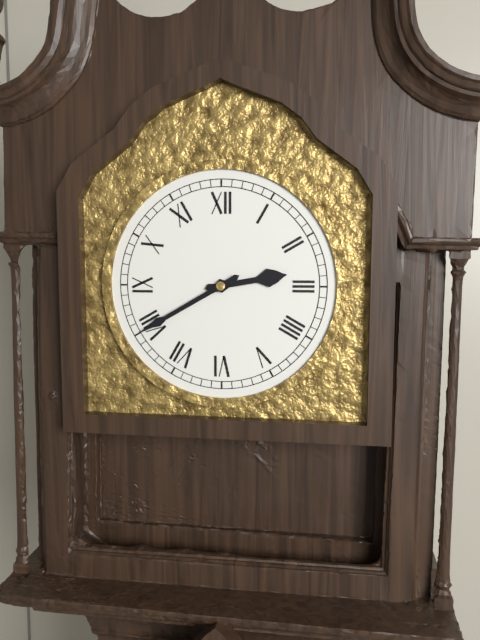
2:40
